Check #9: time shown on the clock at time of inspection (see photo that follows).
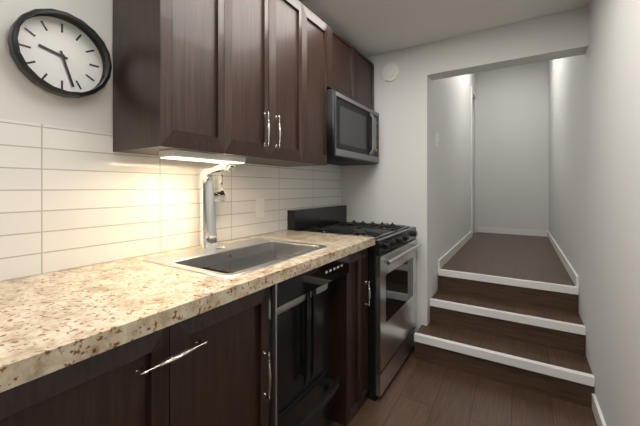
9:27
